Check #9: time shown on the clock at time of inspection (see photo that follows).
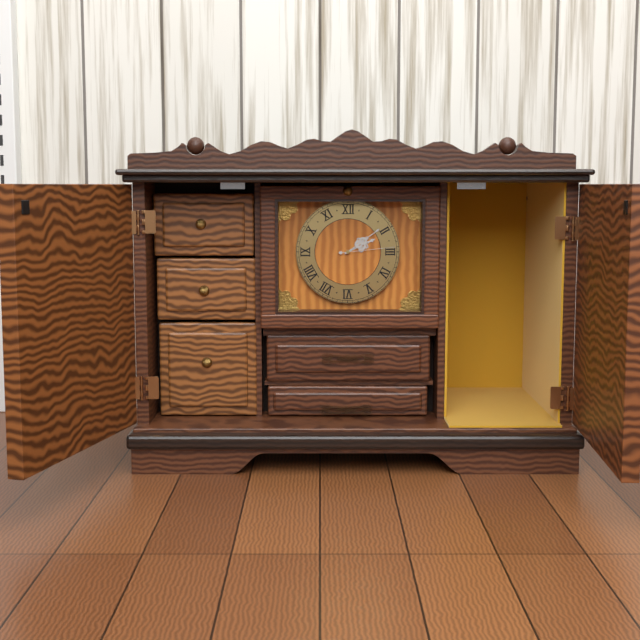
2:09:14
